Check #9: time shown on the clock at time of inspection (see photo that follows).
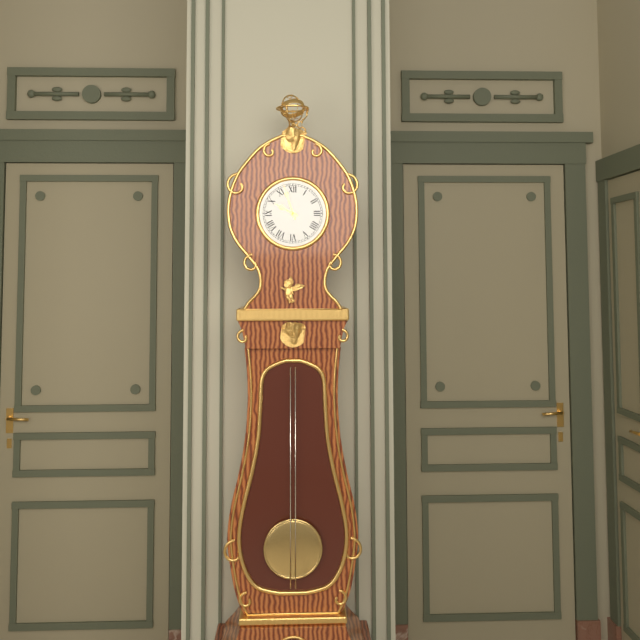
9:57
